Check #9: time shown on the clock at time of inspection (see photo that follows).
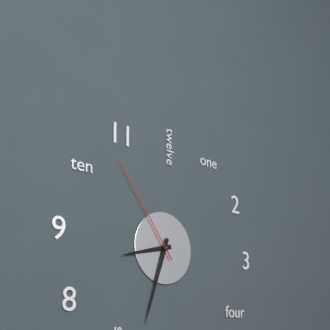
8:33:54
